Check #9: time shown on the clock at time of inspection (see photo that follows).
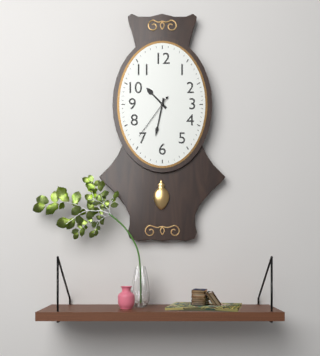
10:32:36
